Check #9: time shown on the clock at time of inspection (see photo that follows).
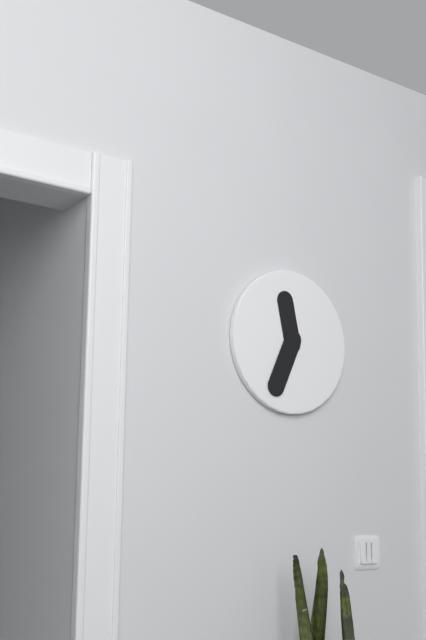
11:34
